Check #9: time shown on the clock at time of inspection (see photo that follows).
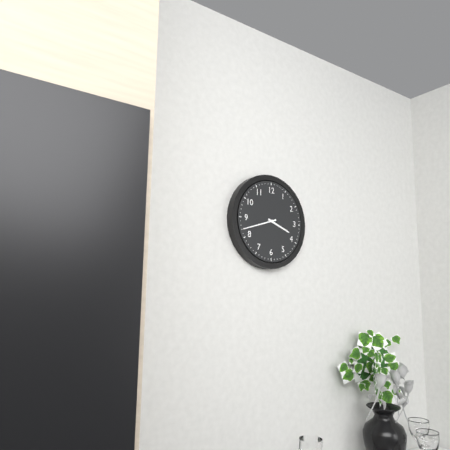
3:42
